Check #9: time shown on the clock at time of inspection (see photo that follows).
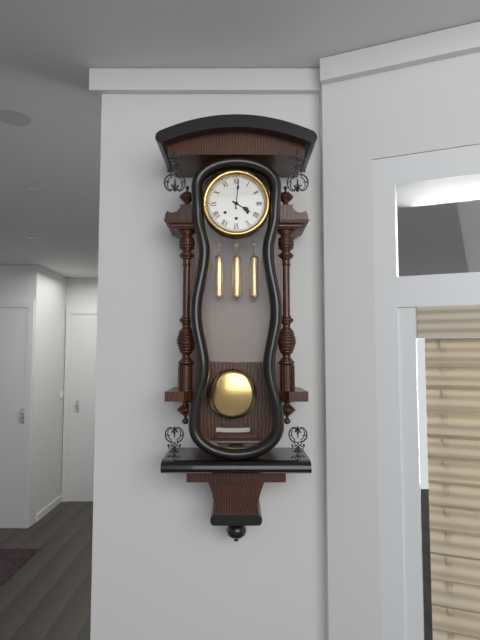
4:01
